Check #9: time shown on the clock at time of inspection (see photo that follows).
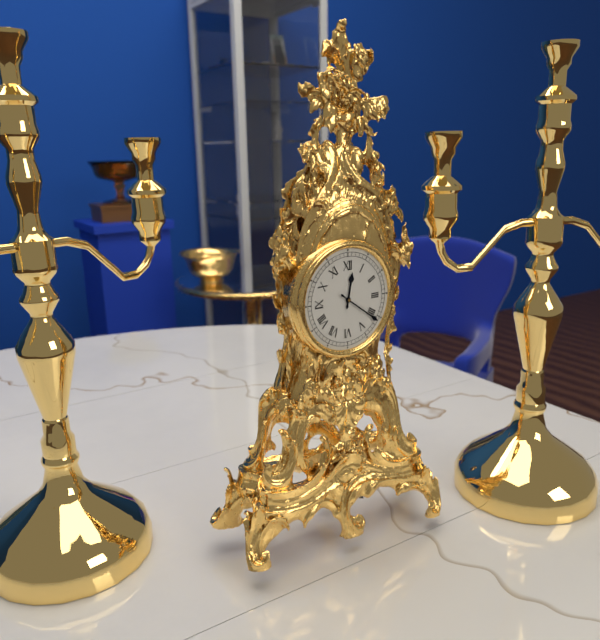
12:21
